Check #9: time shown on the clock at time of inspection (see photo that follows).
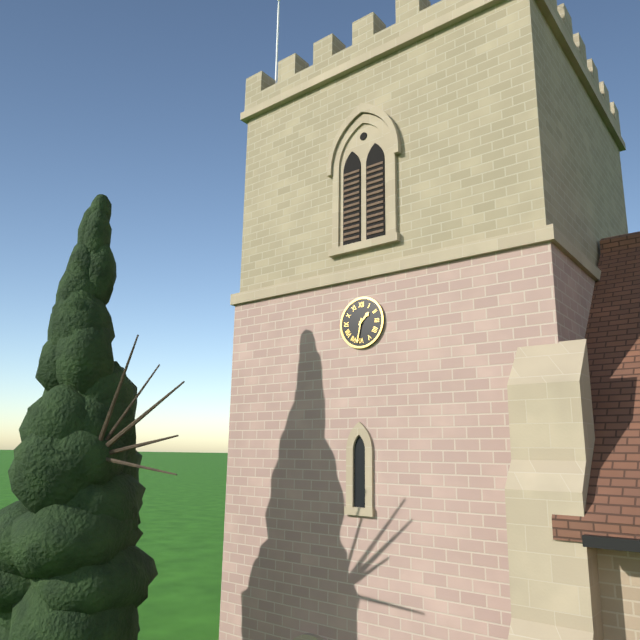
1:32
